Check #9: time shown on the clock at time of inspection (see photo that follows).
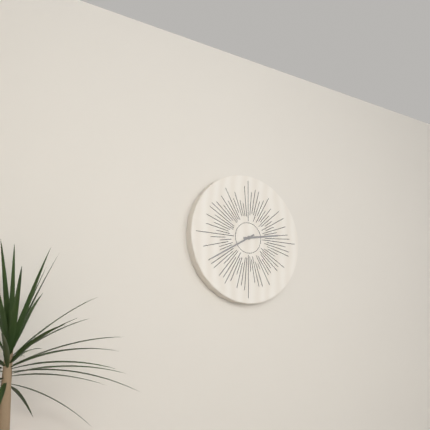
2:40
